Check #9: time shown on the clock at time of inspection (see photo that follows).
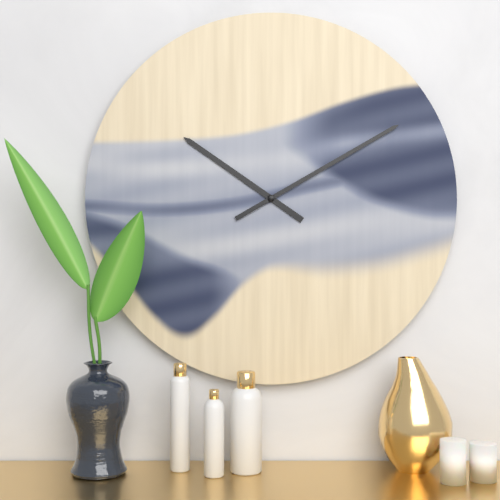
10:10
